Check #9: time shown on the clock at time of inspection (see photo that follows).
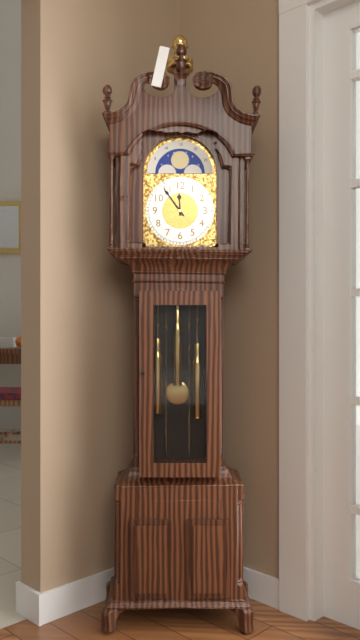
11:54
